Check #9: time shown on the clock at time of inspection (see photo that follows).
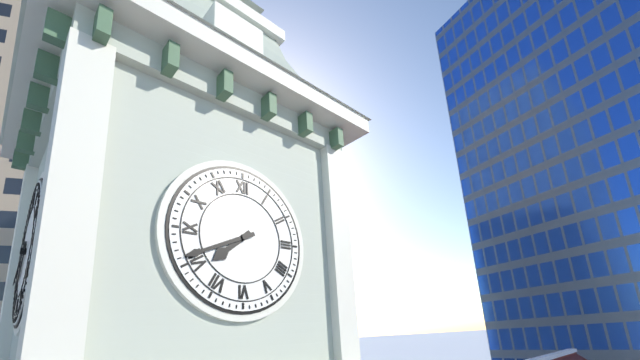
7:41
